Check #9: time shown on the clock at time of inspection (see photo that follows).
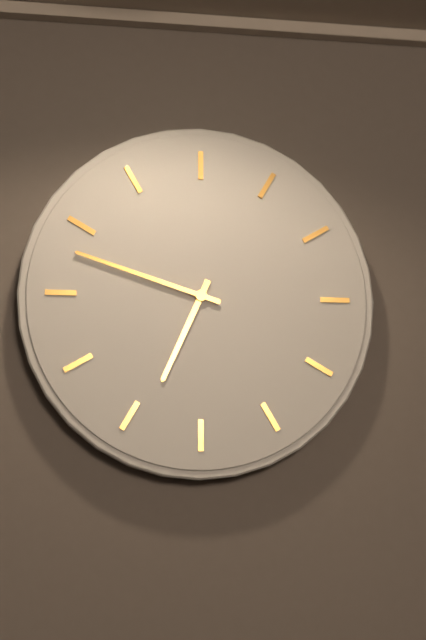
6:48
